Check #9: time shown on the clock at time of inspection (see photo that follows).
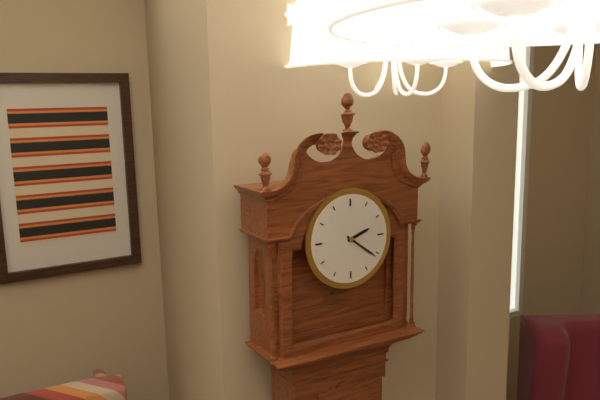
2:21
